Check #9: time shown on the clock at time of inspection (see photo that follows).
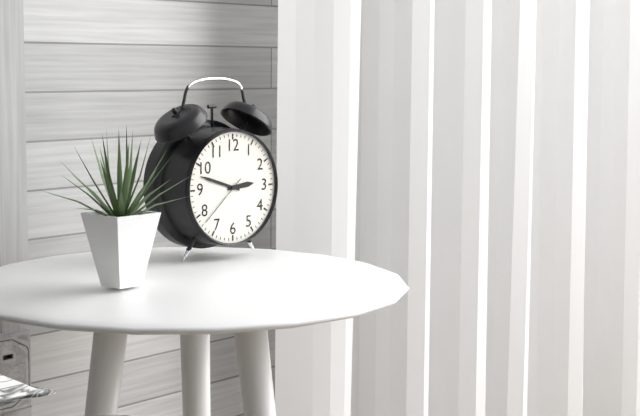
2:48:38
